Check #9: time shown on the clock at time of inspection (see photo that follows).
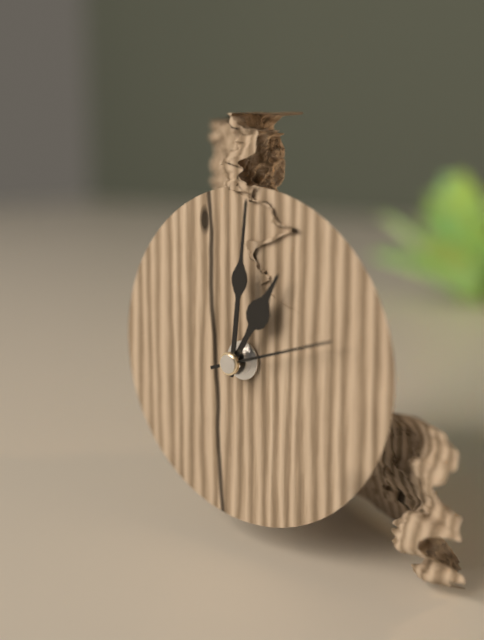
1:01:12
